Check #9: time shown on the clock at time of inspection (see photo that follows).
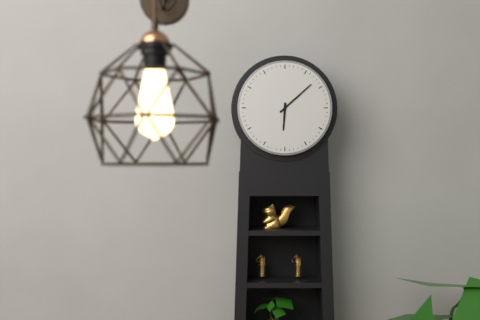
6:08
